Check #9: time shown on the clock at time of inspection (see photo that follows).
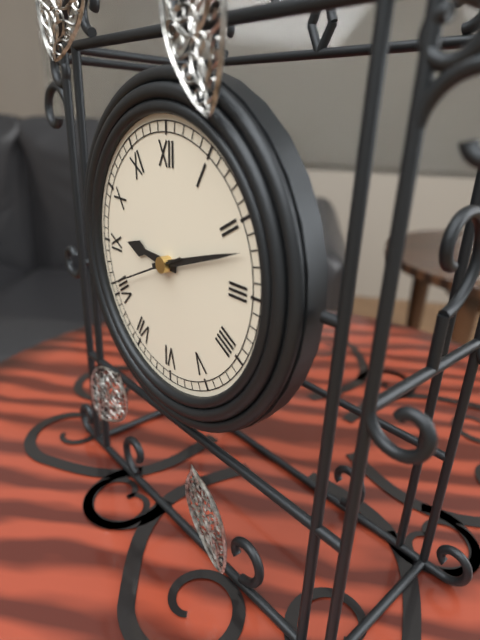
9:12:41
